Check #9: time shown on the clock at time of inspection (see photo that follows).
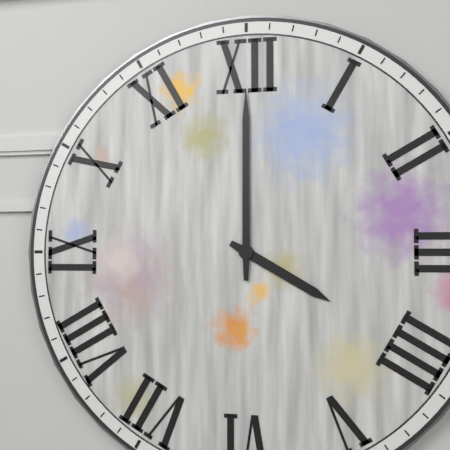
4:00
